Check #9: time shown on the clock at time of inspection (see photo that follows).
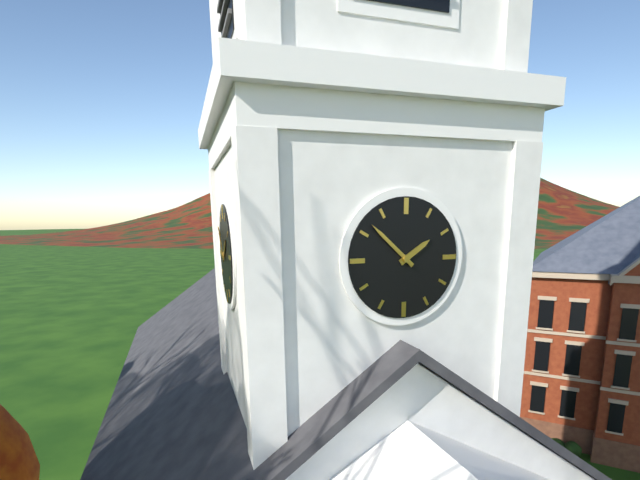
1:52
